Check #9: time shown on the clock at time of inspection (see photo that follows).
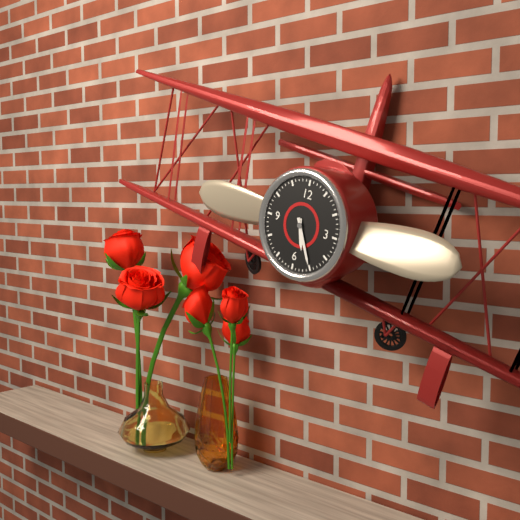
5:25
